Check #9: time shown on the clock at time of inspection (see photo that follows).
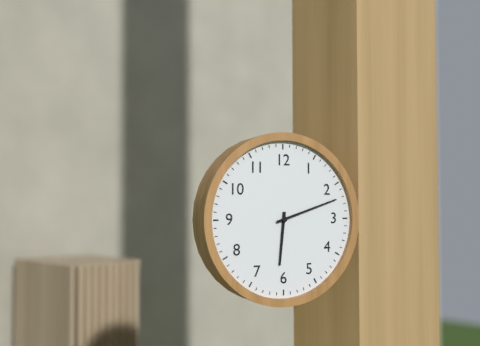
6:12
